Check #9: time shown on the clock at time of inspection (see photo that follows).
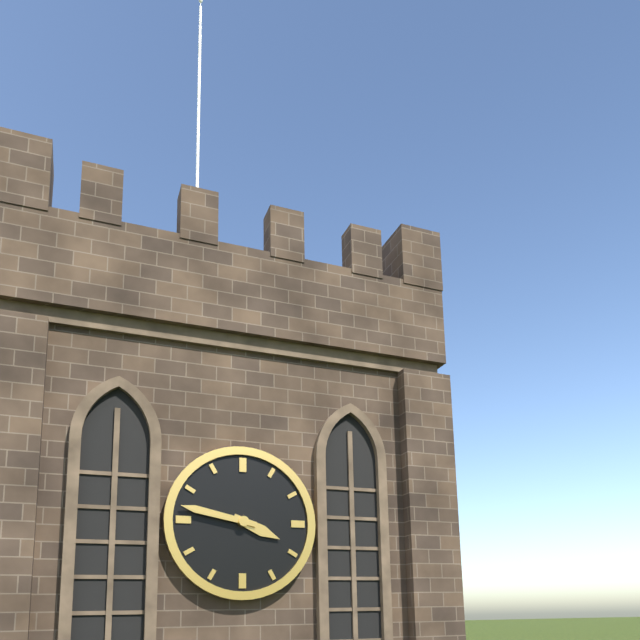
3:47
